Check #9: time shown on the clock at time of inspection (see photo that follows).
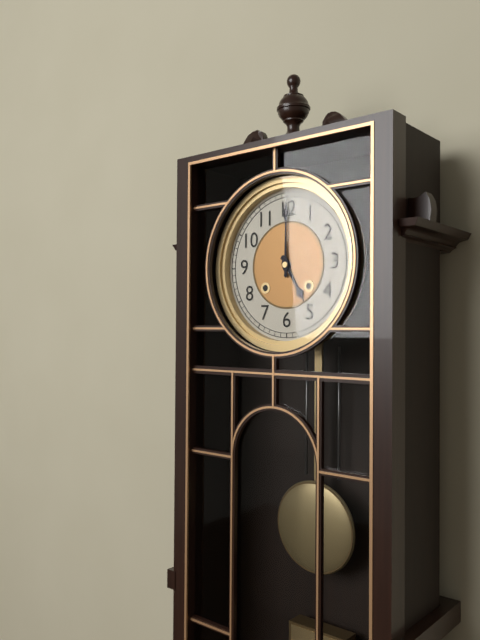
5:00
